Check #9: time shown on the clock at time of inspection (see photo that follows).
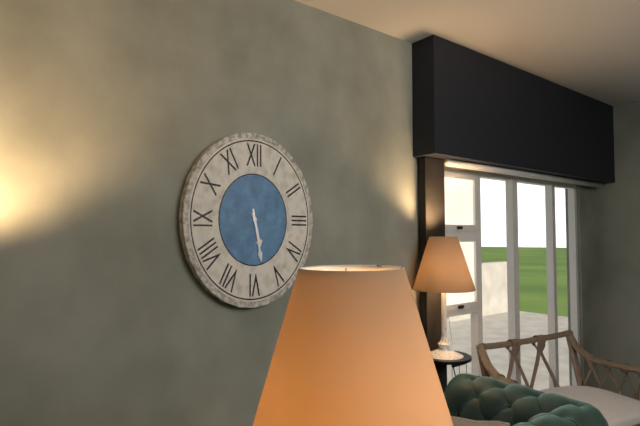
5:28
